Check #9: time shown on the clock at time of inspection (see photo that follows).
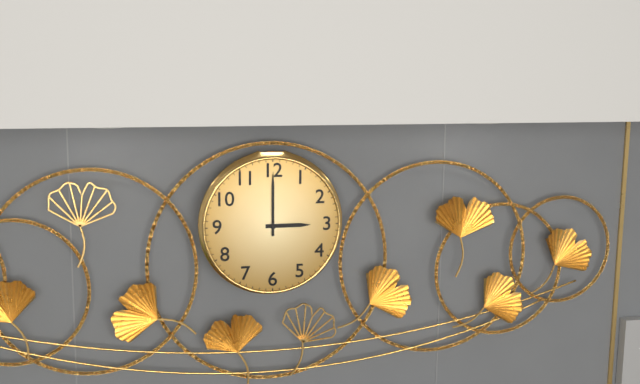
3:00
